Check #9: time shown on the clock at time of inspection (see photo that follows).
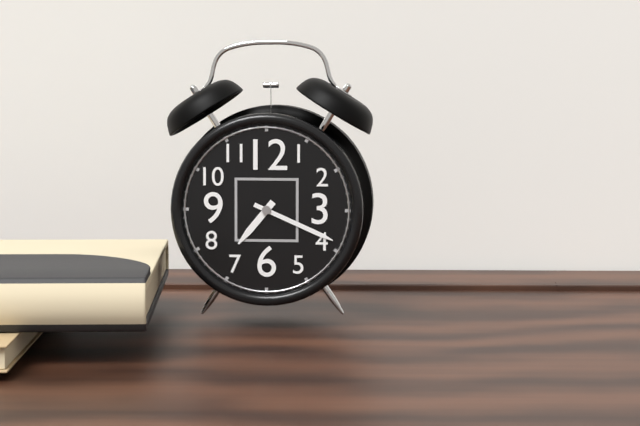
7:19
